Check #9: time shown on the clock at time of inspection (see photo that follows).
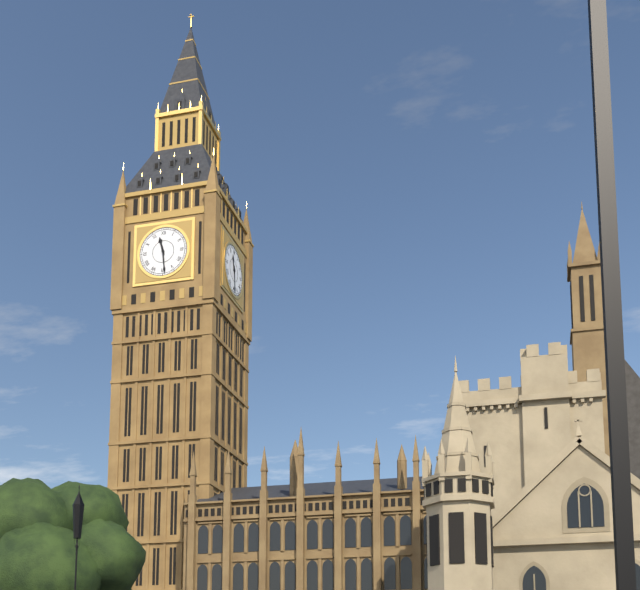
11:29
